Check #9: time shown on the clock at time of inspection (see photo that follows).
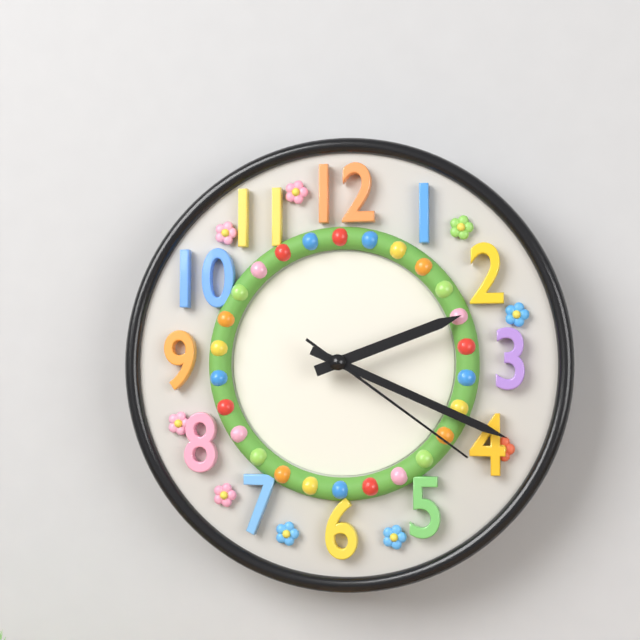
2:19:21
